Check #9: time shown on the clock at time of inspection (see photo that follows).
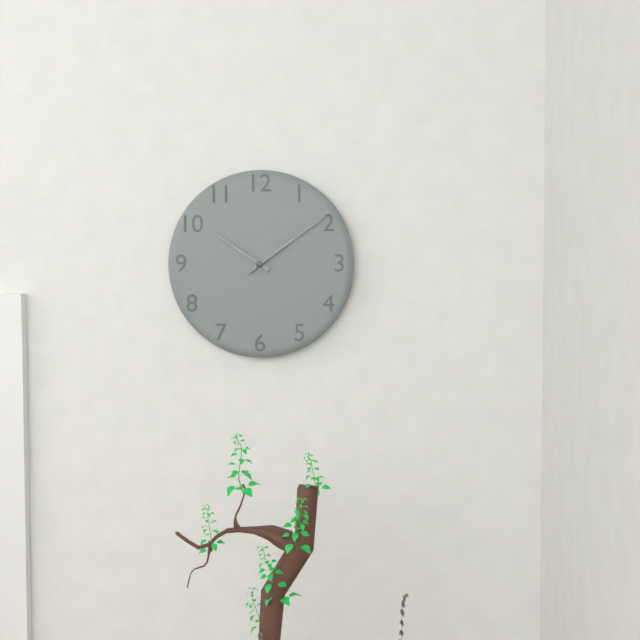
10:09
